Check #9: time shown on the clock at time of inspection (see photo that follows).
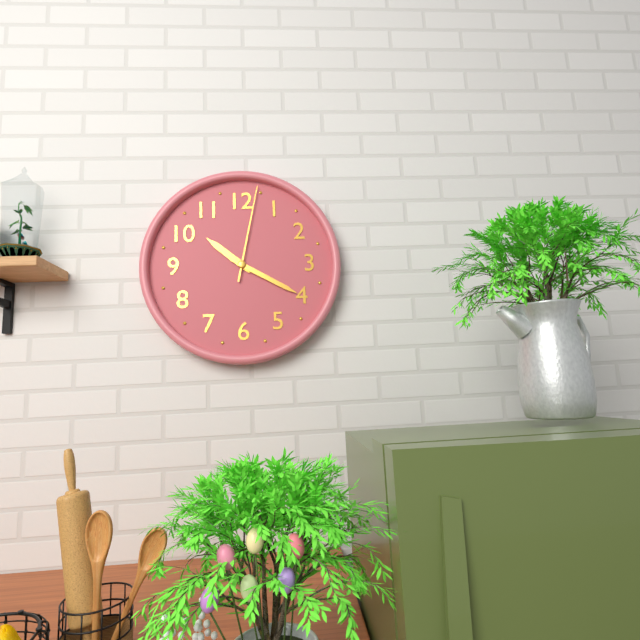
10:20:02
